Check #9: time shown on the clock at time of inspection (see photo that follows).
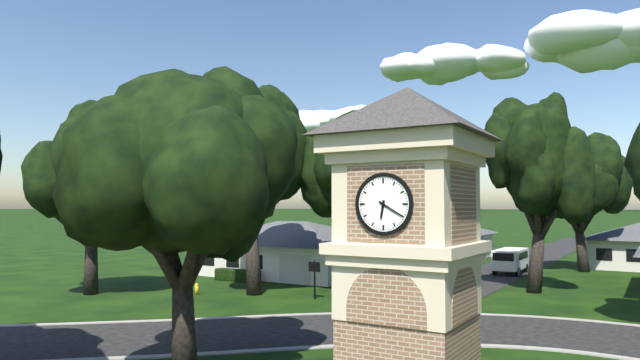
6:20
